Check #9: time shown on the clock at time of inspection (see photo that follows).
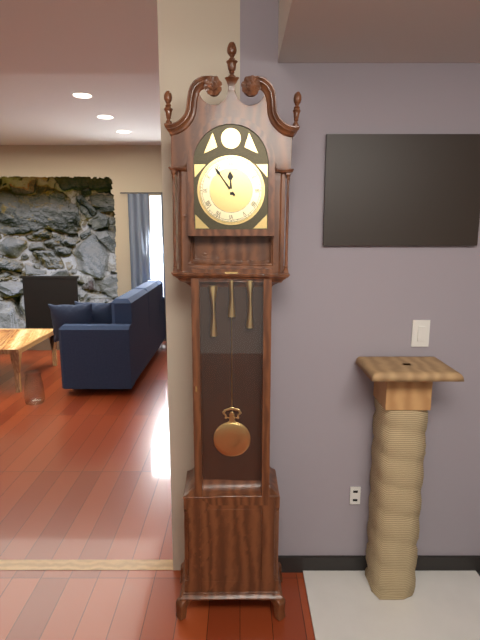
11:54
